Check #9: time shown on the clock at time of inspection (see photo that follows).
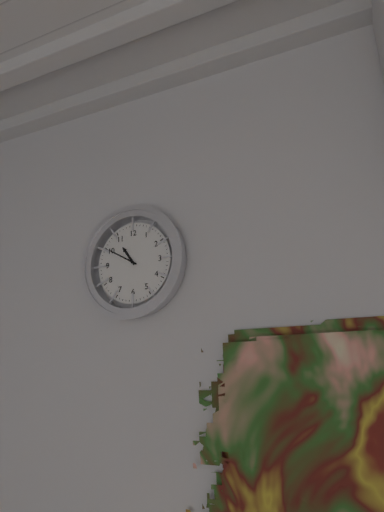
10:50
